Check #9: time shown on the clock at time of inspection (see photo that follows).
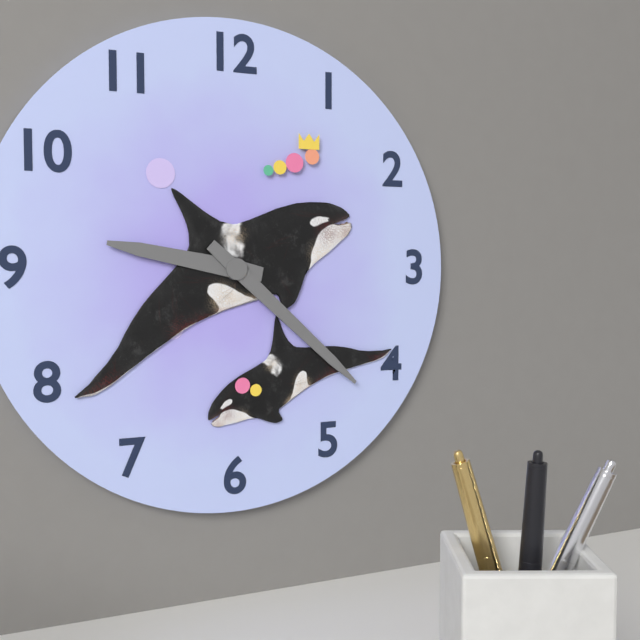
9:22
